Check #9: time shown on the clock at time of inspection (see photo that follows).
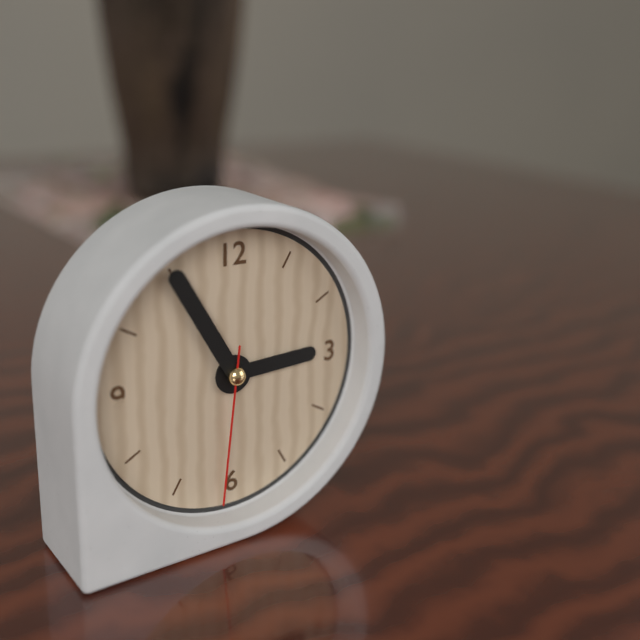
2:55:31
